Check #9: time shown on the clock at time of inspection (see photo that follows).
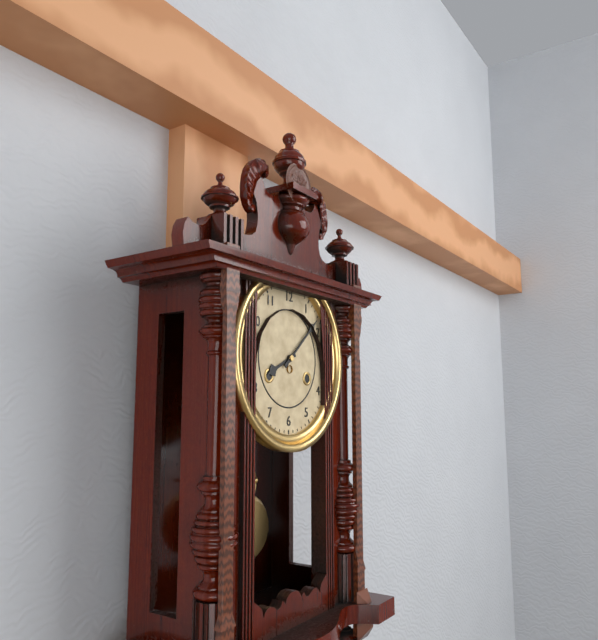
8:08
